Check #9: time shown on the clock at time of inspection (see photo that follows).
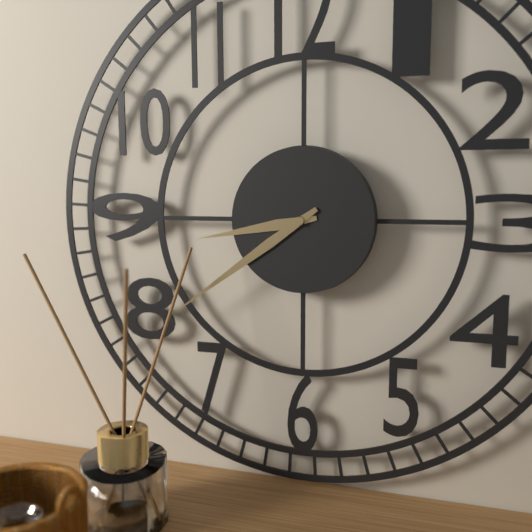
8:39
